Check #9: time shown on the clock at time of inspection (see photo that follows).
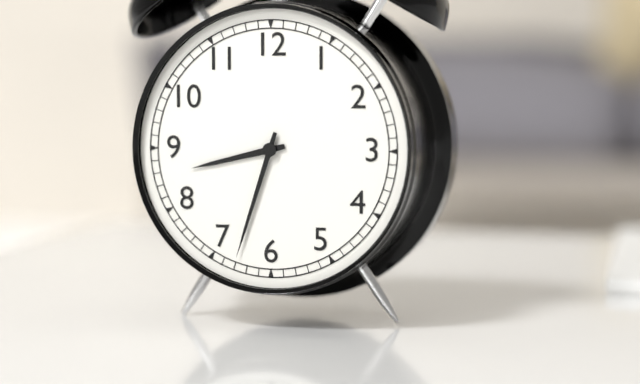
8:33
